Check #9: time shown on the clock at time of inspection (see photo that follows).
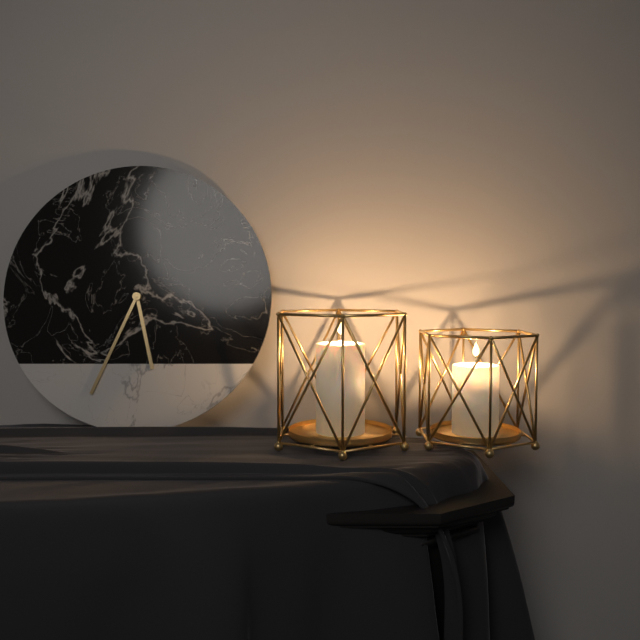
5:34
